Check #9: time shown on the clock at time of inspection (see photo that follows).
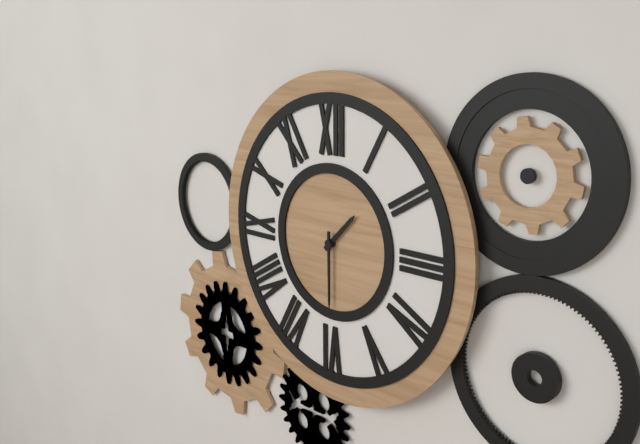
1:30
